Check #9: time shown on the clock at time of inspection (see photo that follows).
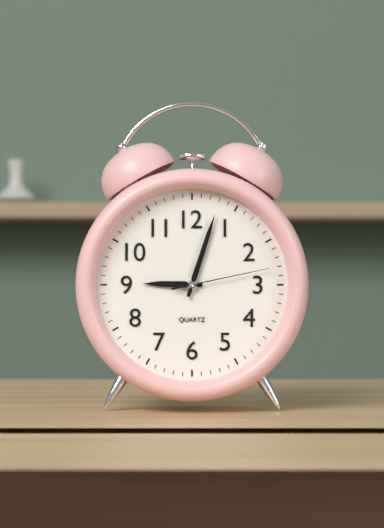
9:03:13
